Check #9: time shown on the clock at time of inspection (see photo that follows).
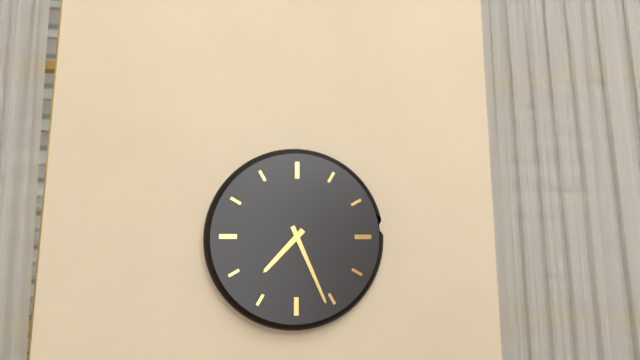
7:26
